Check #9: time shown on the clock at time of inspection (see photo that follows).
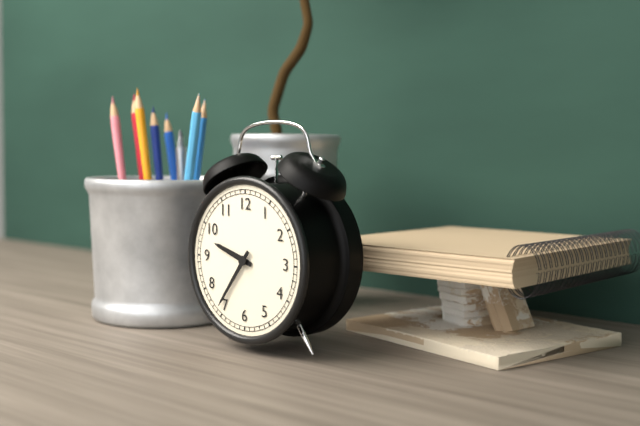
9:36
